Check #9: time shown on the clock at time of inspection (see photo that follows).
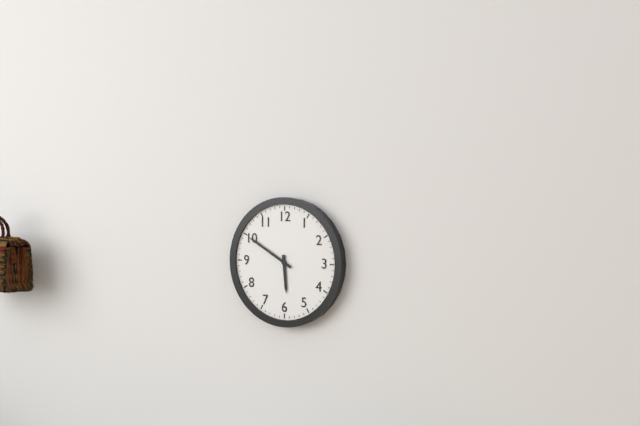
5:50
